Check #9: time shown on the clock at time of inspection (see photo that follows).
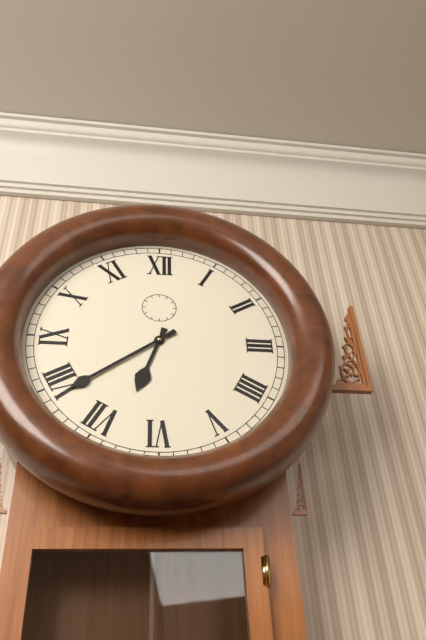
6:39
